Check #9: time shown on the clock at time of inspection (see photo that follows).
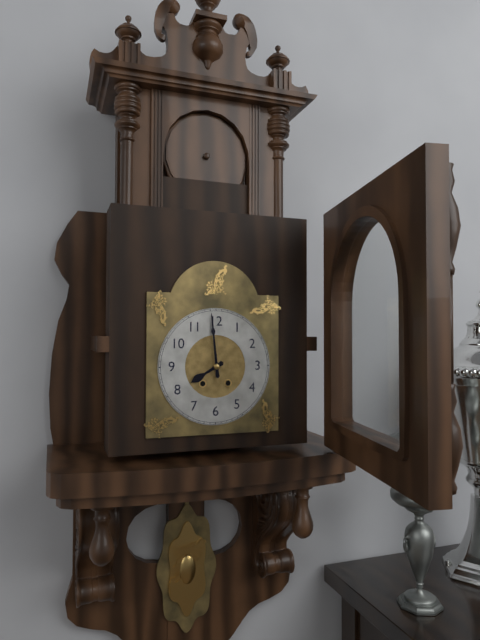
7:59
